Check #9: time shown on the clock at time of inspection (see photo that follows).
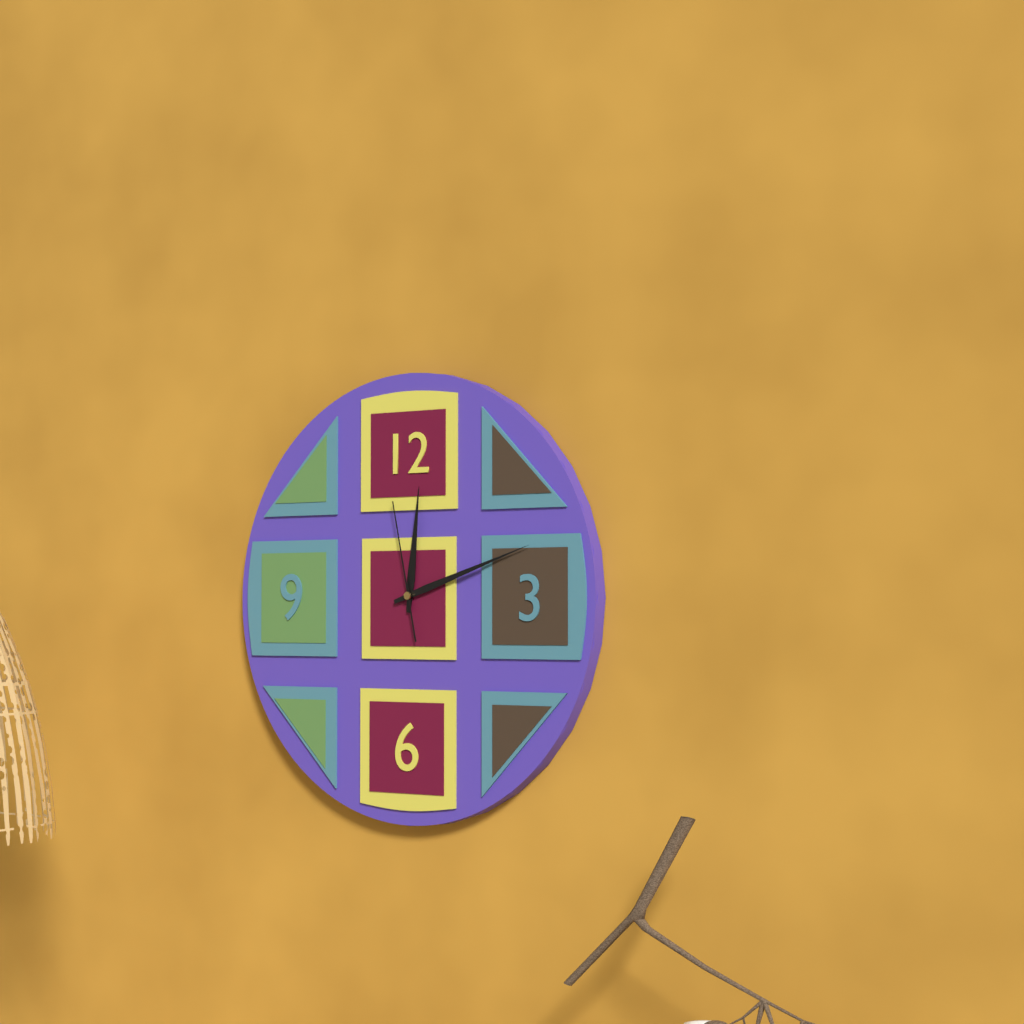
12:12:58
